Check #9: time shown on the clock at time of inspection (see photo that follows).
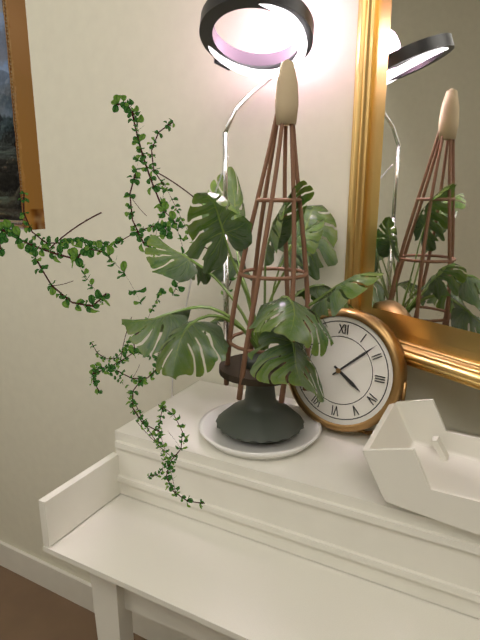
4:08
